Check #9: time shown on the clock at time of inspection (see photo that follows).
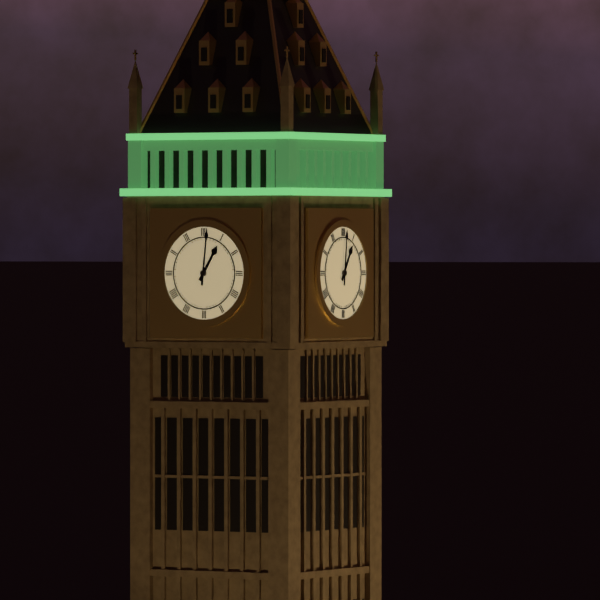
1:01
